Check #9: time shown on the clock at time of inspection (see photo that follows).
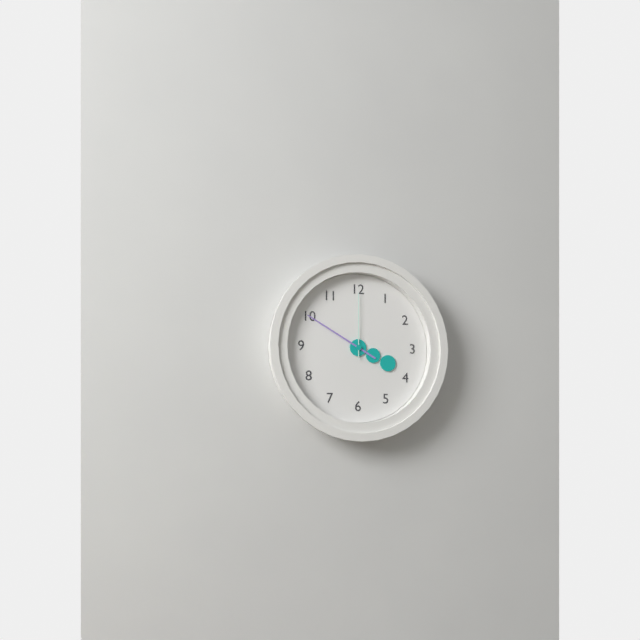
3:50:00
